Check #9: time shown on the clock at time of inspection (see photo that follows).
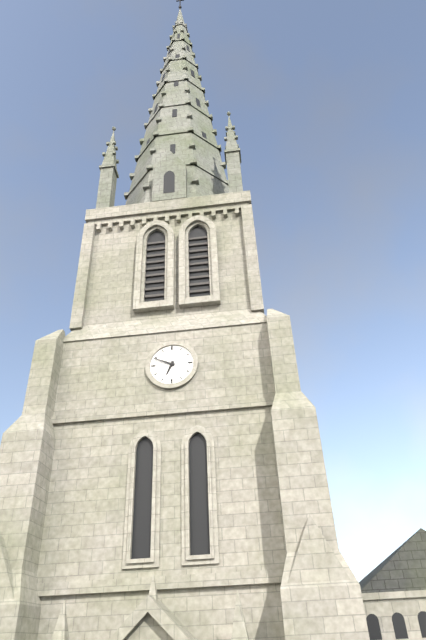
6:49
